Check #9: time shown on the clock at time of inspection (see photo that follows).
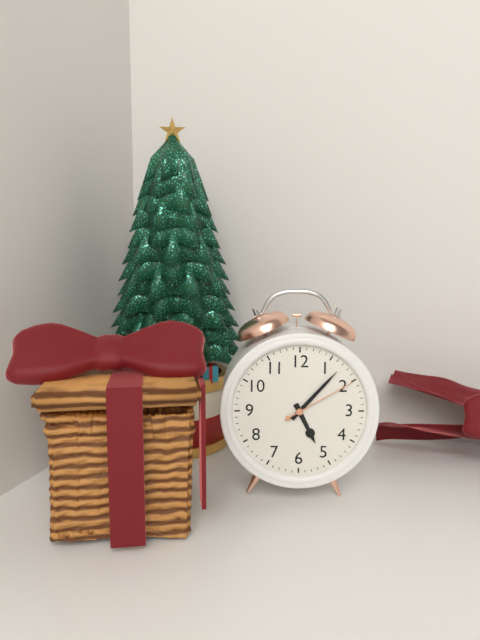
5:07:10
